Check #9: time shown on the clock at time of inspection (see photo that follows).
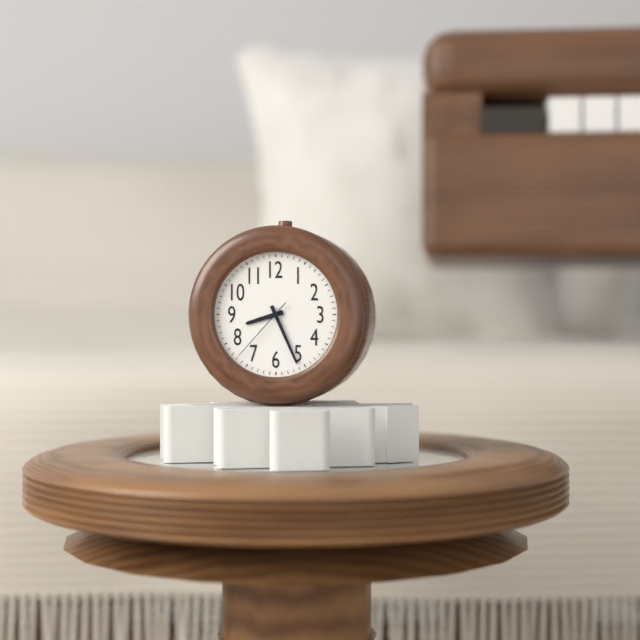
8:26:37
